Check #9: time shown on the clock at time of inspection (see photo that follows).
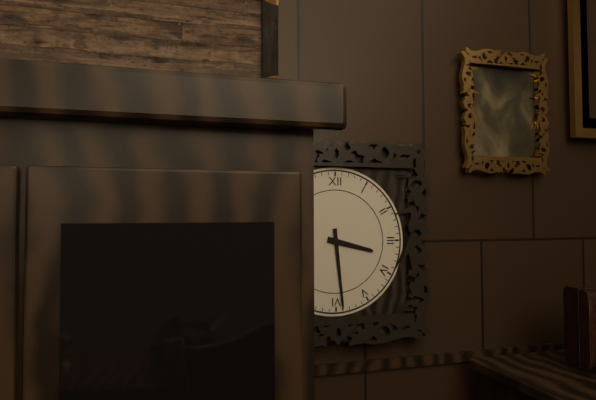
3:29
